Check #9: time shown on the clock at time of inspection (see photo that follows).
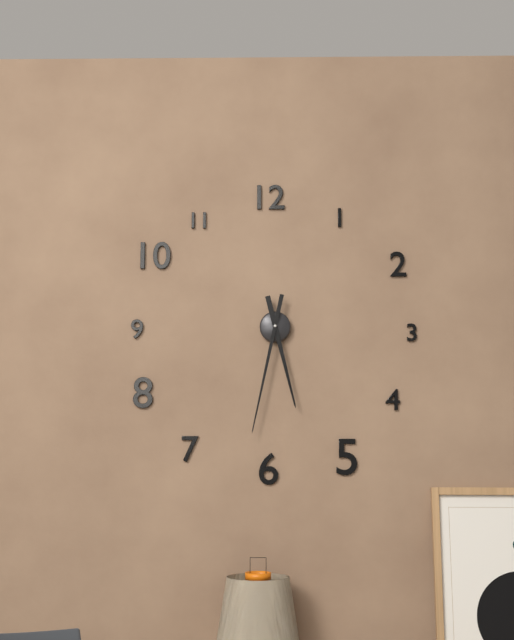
5:32
